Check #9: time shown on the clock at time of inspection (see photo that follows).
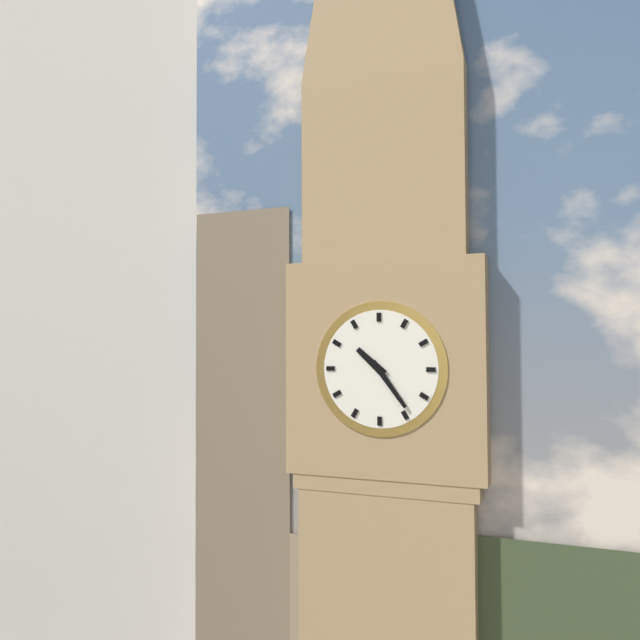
10:24
